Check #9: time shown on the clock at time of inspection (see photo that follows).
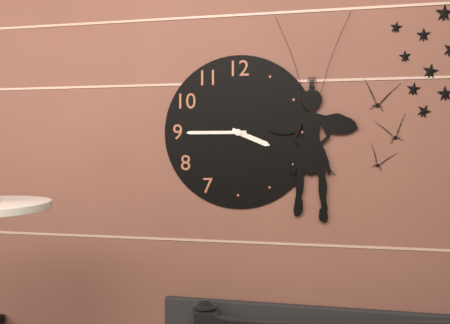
3:45
